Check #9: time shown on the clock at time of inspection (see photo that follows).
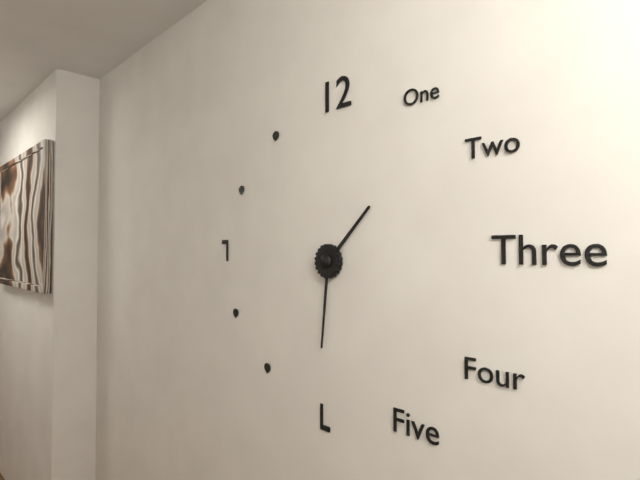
1:31
